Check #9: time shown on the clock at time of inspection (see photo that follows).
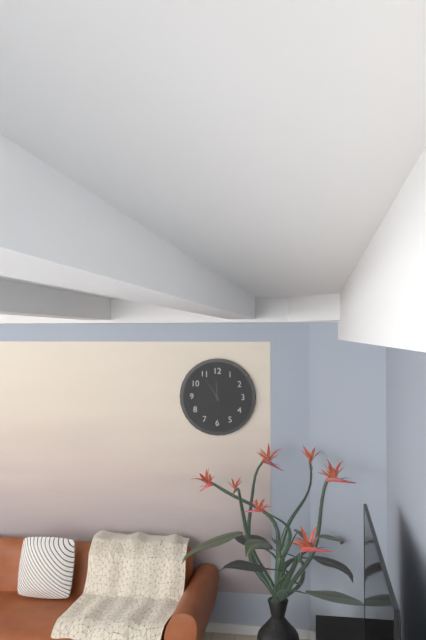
11:54
